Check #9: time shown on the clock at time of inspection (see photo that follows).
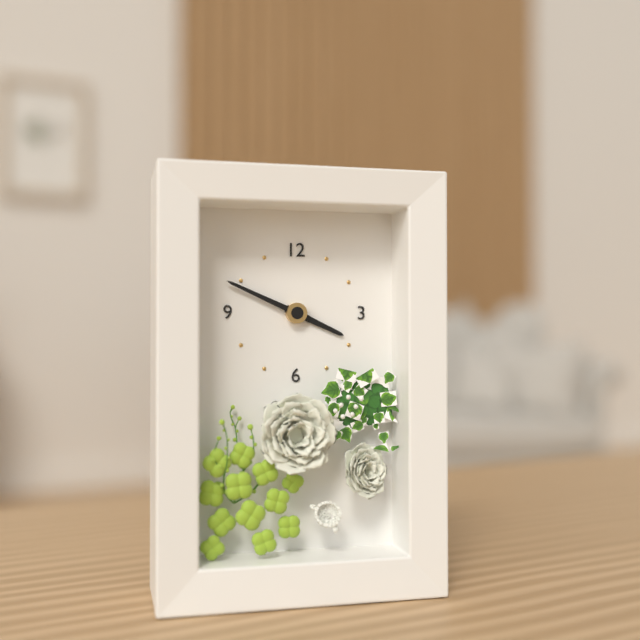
3:49
